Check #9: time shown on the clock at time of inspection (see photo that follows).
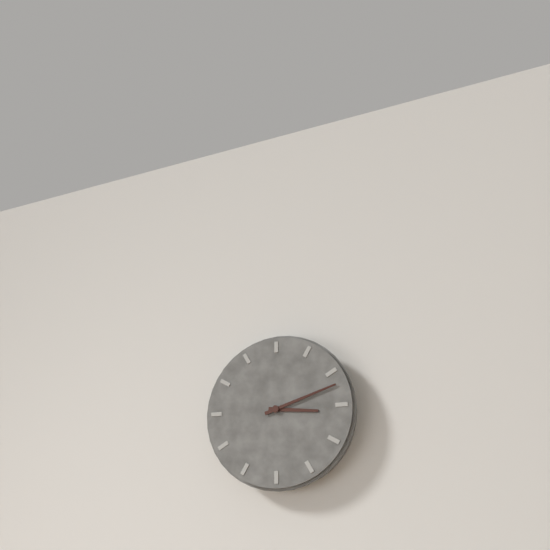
3:12
